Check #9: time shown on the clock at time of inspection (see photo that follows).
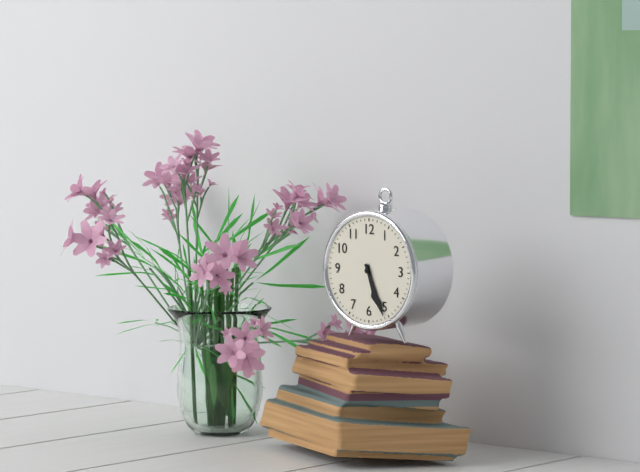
5:26
